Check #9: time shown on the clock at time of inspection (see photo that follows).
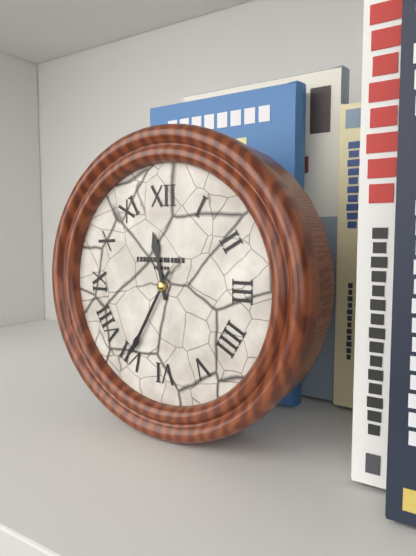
11:35
